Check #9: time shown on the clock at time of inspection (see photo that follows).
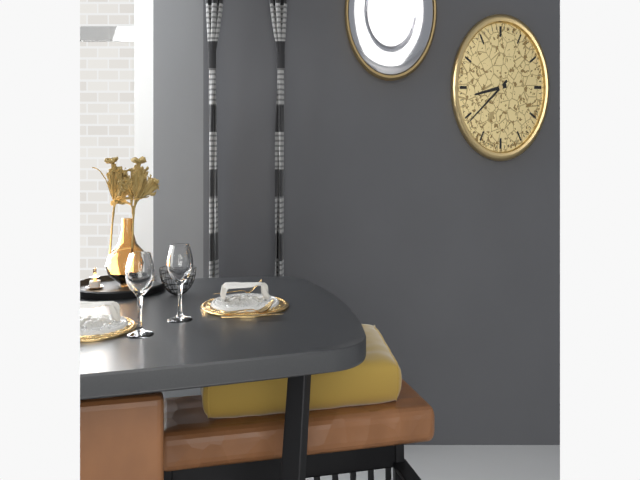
8:39
